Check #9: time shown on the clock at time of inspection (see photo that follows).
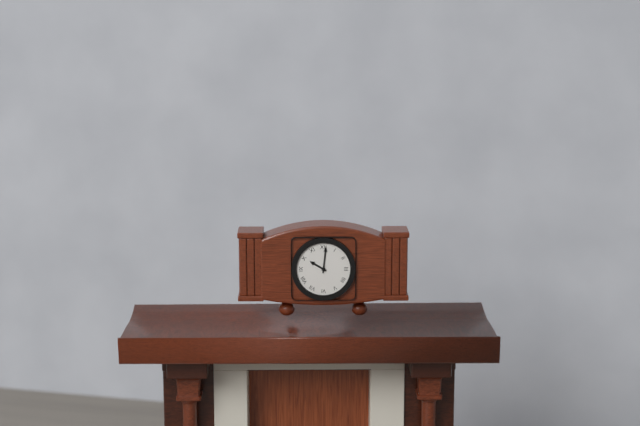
10:01
